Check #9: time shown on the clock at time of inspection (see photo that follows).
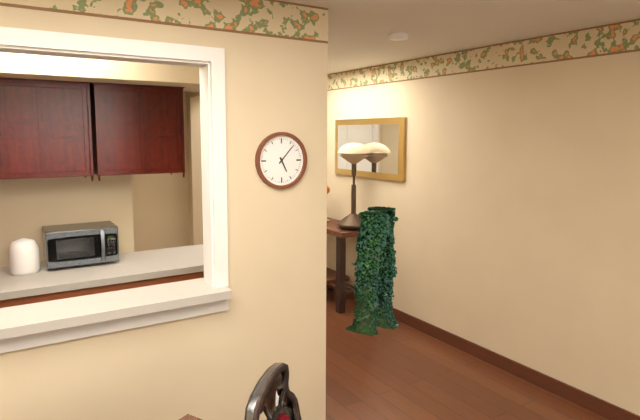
5:07
